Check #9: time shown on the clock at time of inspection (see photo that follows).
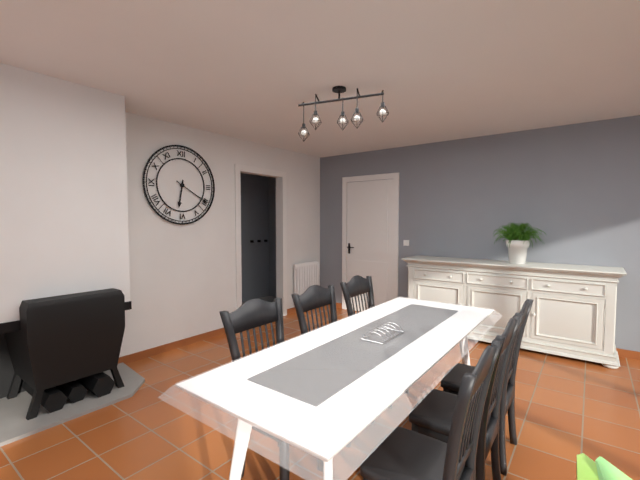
6:20
